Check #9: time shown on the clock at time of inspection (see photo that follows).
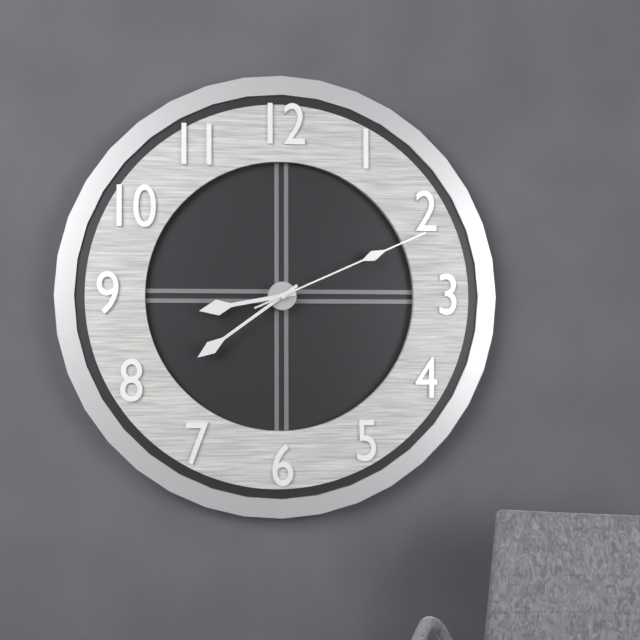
8:39:11
